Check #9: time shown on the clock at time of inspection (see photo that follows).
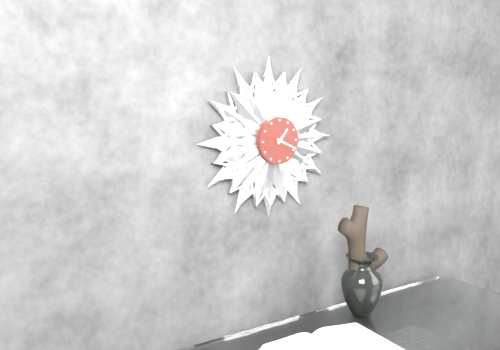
1:19
